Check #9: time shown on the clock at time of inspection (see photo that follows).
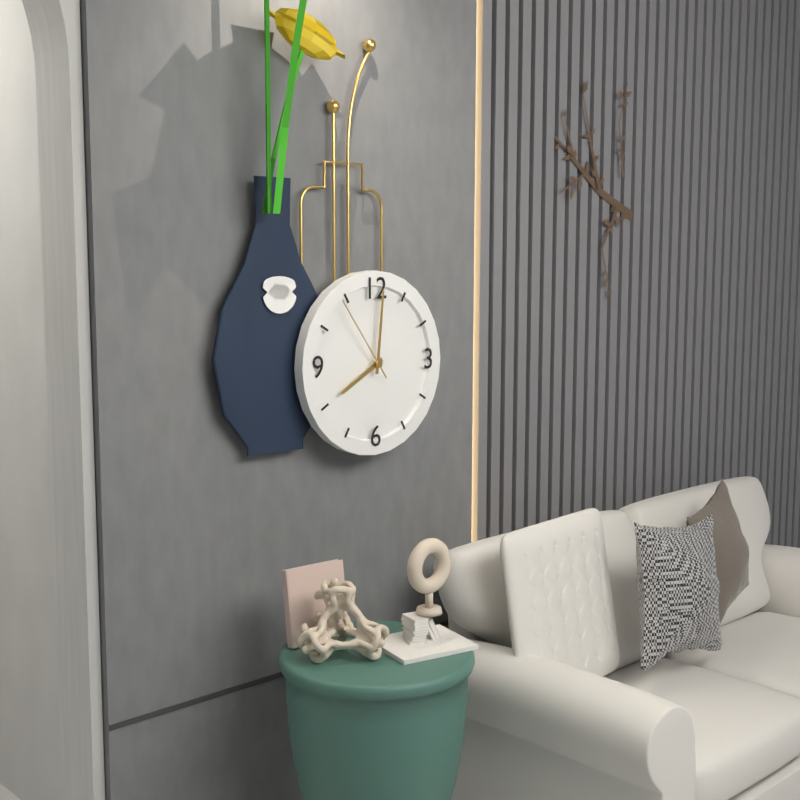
8:01:54
